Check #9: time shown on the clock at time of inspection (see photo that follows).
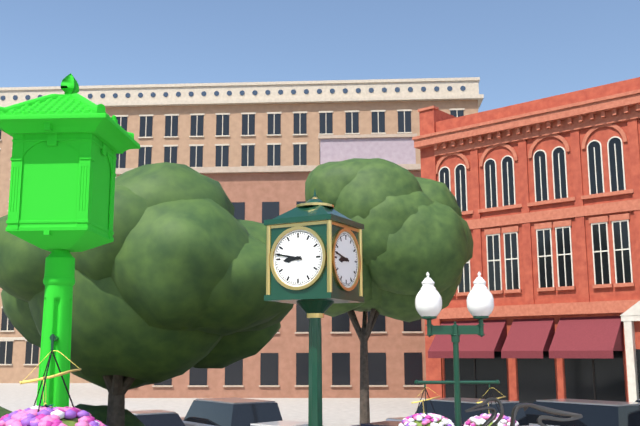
8:47
